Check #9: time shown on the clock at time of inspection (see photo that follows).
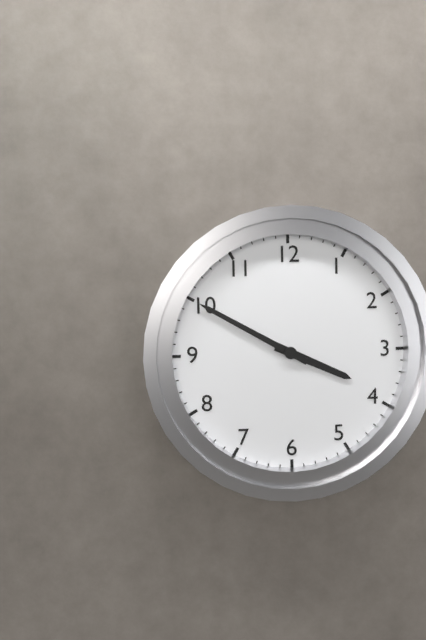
3:50
